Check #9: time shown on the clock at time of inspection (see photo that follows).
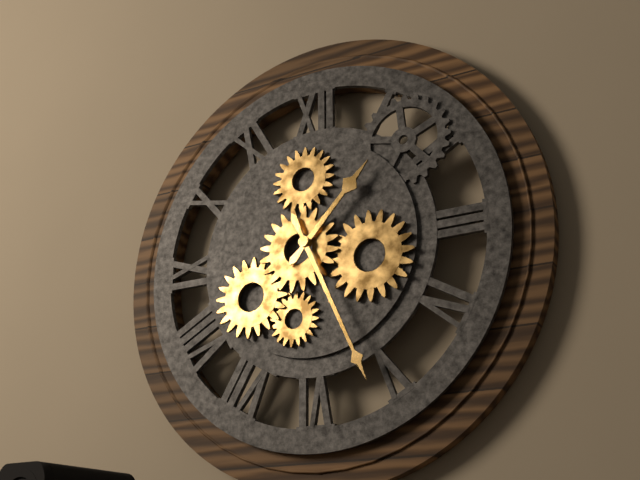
1:26
